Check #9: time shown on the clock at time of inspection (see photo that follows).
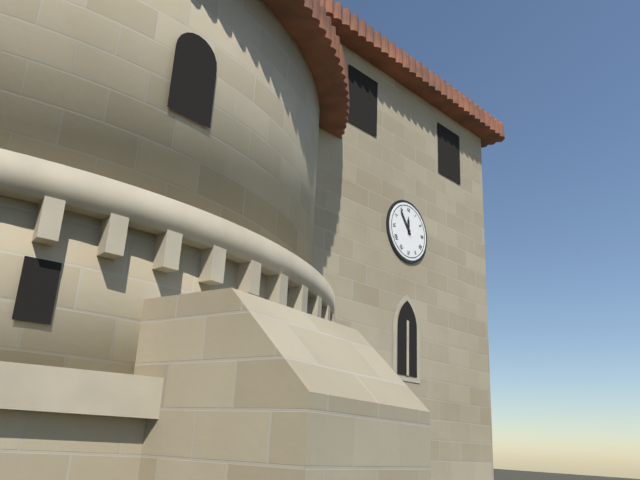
11:54
